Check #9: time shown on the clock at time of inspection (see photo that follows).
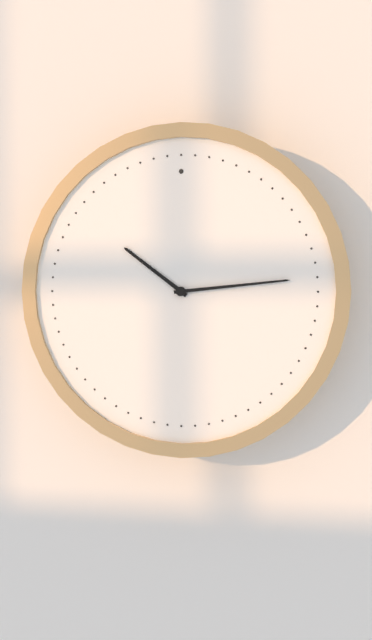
10:14
